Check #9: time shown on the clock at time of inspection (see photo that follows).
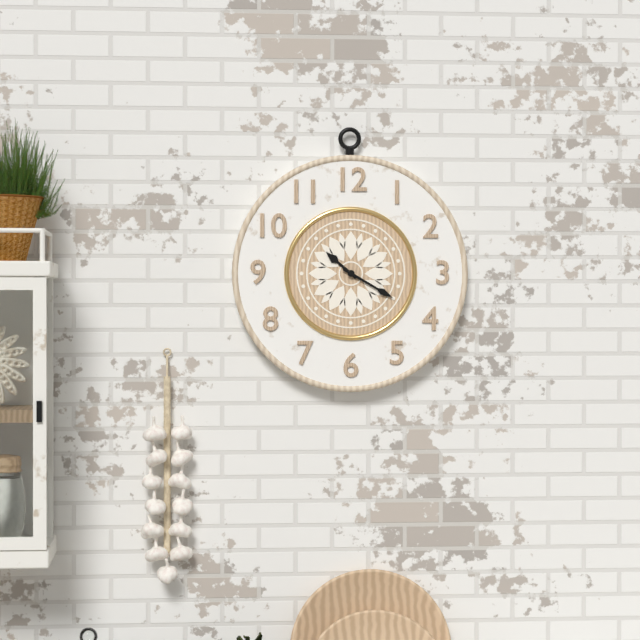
10:20
